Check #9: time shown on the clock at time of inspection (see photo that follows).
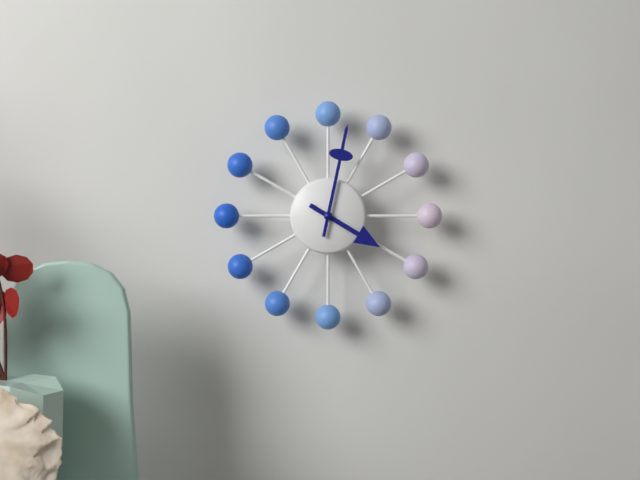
4:02
